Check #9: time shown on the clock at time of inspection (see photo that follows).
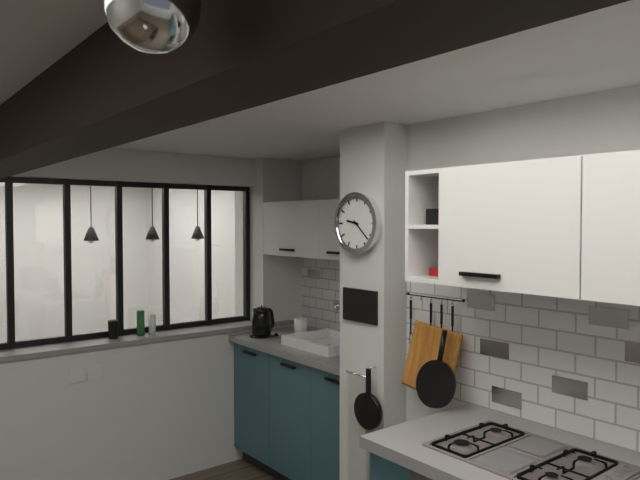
9:22
